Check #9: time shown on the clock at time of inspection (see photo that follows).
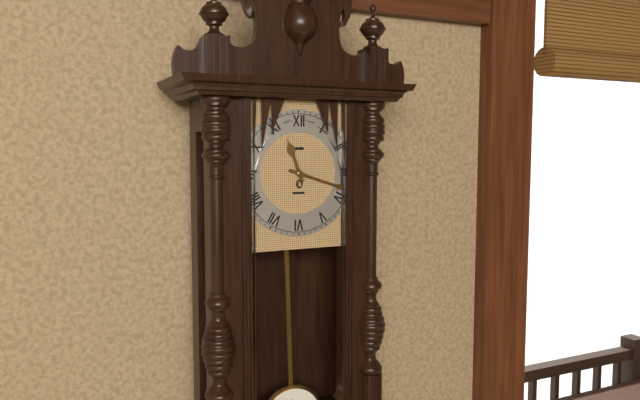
11:18
